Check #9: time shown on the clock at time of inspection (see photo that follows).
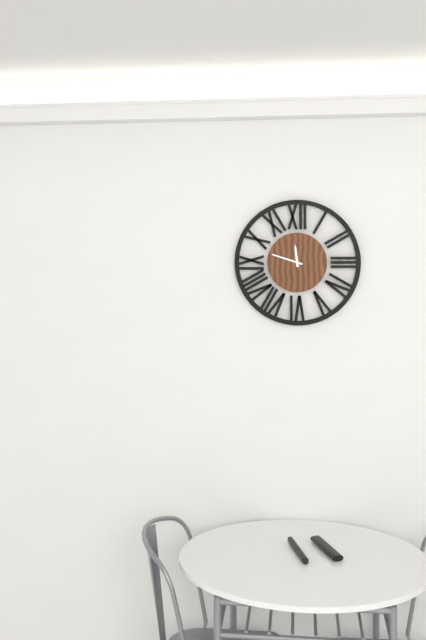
11:48
